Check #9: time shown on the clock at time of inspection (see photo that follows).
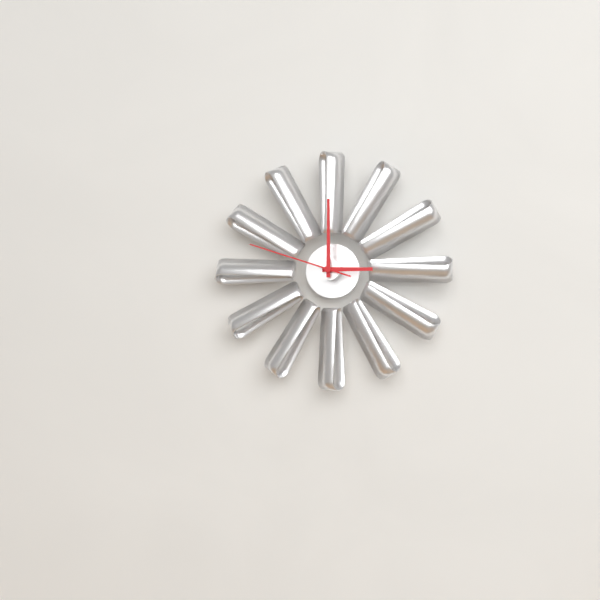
3:00:48
